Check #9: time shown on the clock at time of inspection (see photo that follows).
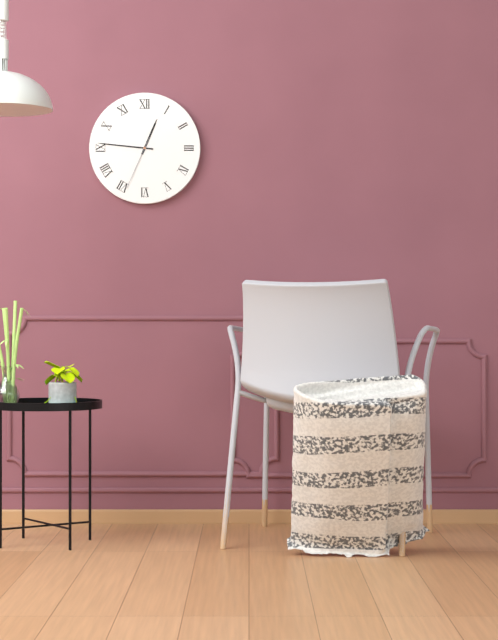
12:46:34
